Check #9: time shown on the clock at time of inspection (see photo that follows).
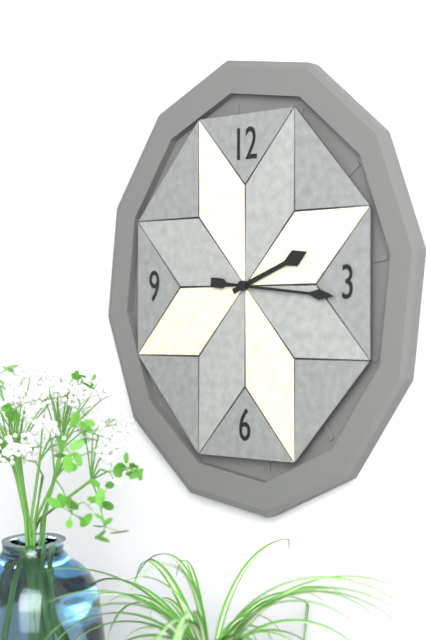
2:16
